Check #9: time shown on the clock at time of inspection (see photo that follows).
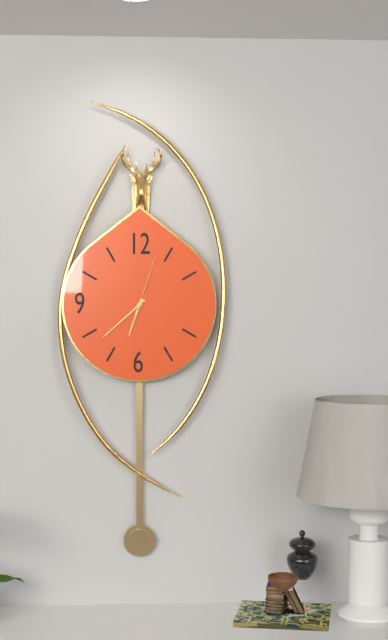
6:38:03
